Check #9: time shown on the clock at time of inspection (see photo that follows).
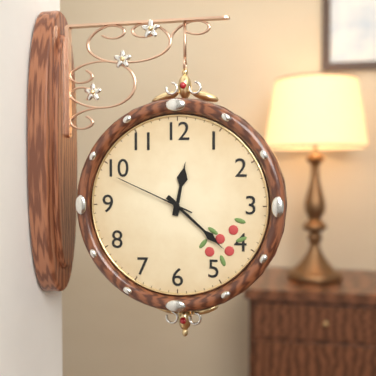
12:22:49
